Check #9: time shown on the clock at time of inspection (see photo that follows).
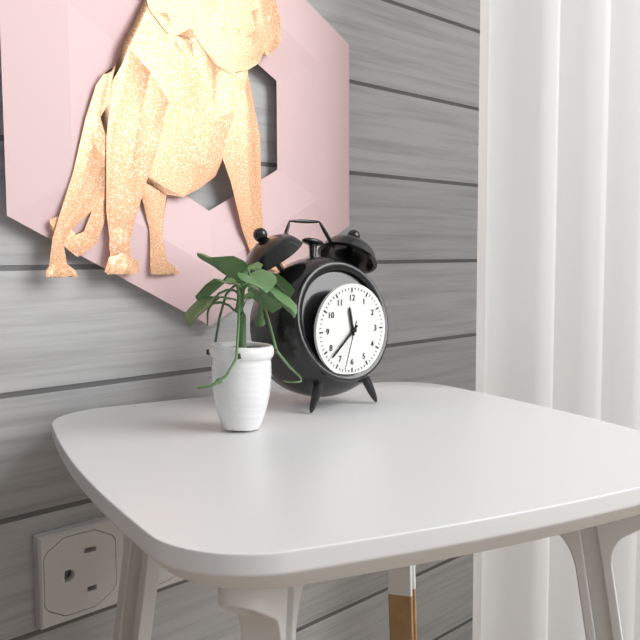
11:38:33
